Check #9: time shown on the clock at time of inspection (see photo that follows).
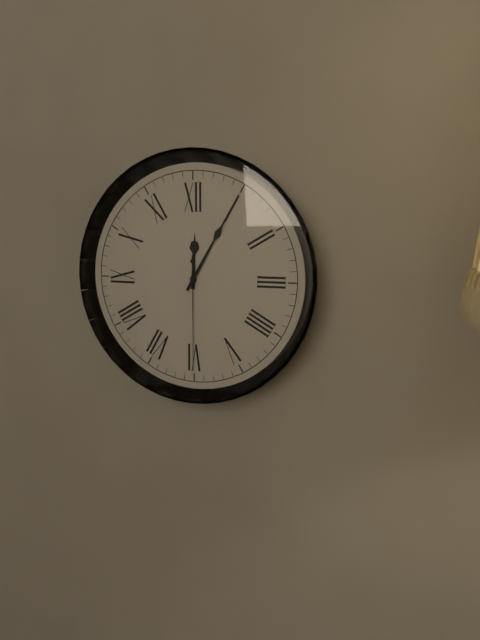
12:05:30
